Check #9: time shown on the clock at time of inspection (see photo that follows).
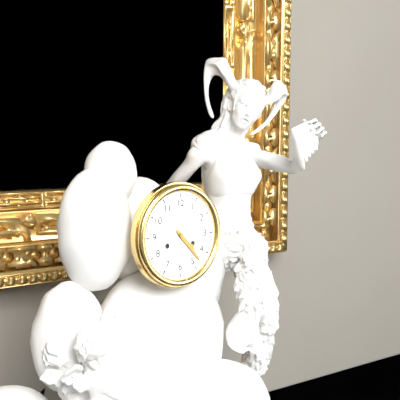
4:23
